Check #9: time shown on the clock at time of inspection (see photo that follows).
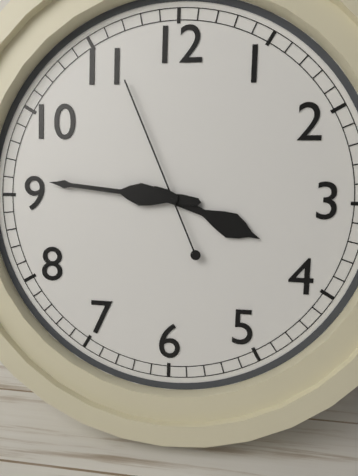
3:46:56
